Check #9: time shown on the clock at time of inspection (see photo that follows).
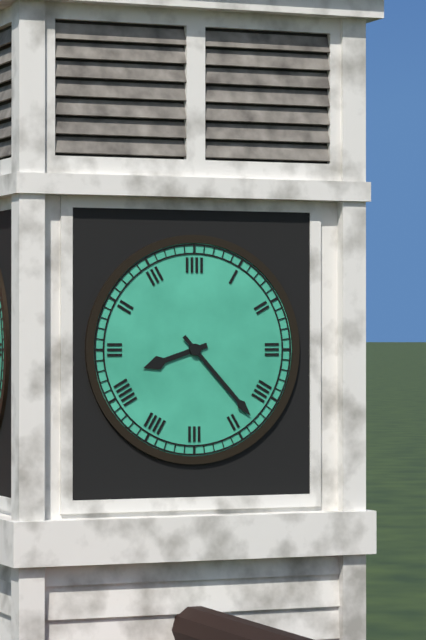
8:23
